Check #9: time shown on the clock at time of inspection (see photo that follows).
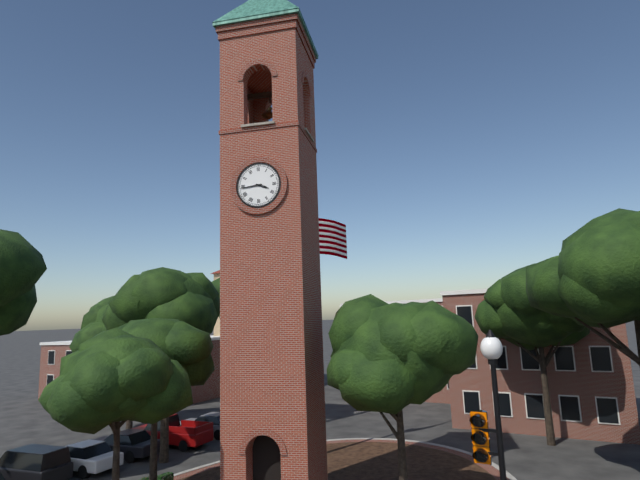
3:44
